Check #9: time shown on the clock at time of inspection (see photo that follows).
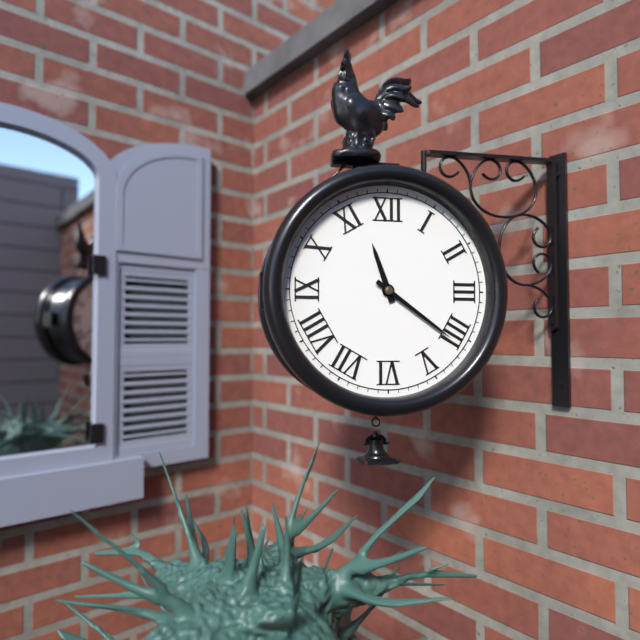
11:21
